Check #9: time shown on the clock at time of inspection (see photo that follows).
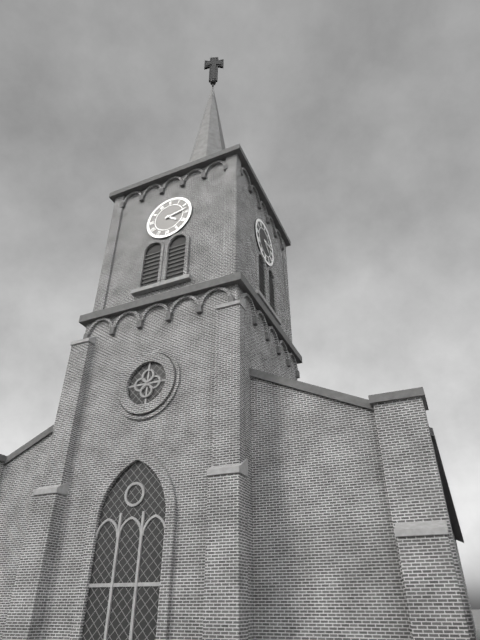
4:13
